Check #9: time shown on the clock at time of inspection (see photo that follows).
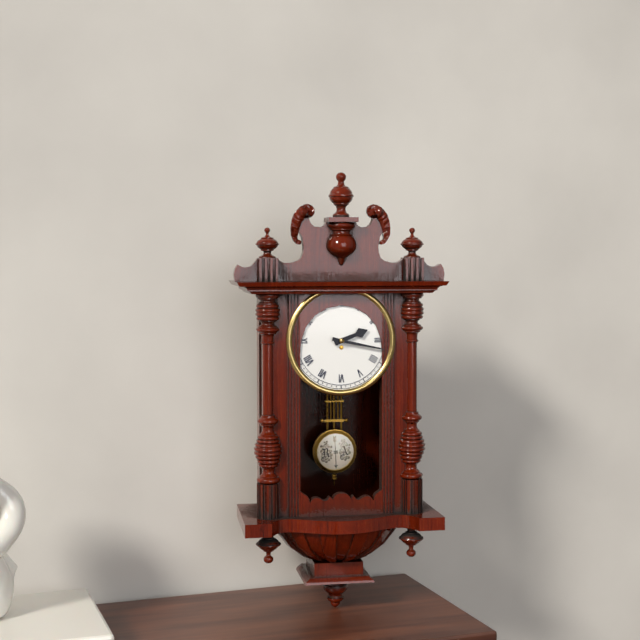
2:17
